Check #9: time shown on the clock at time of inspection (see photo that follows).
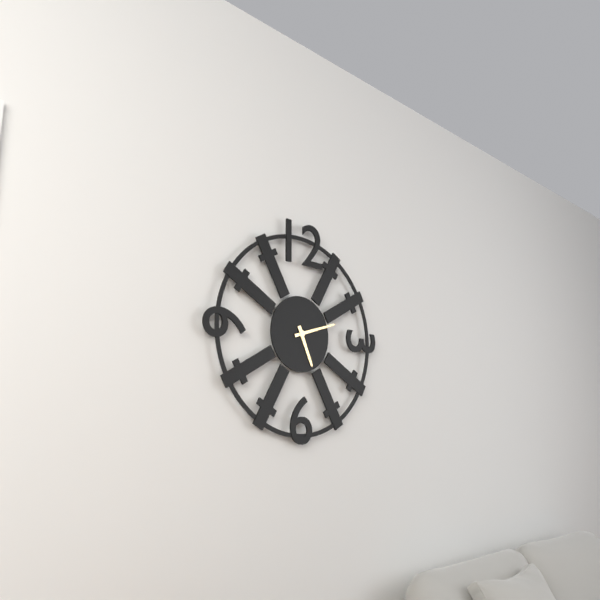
5:12
